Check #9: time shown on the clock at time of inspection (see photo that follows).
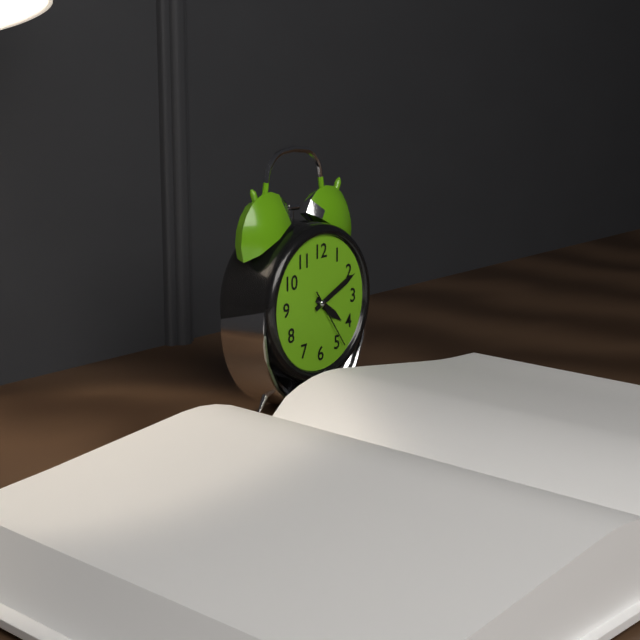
4:11:24
